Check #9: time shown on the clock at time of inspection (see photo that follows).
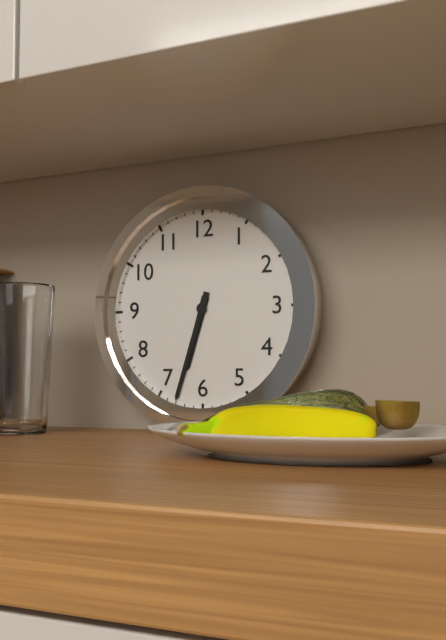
6:33
